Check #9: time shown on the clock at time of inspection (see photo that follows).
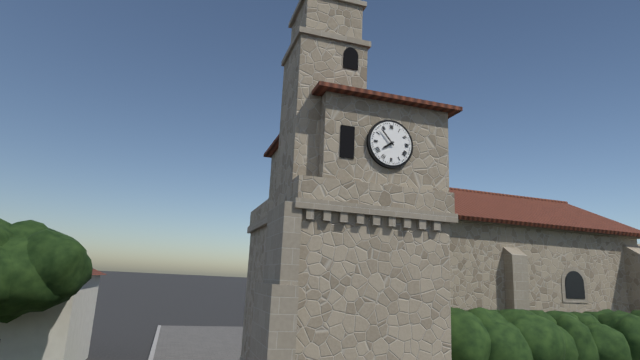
7:53
